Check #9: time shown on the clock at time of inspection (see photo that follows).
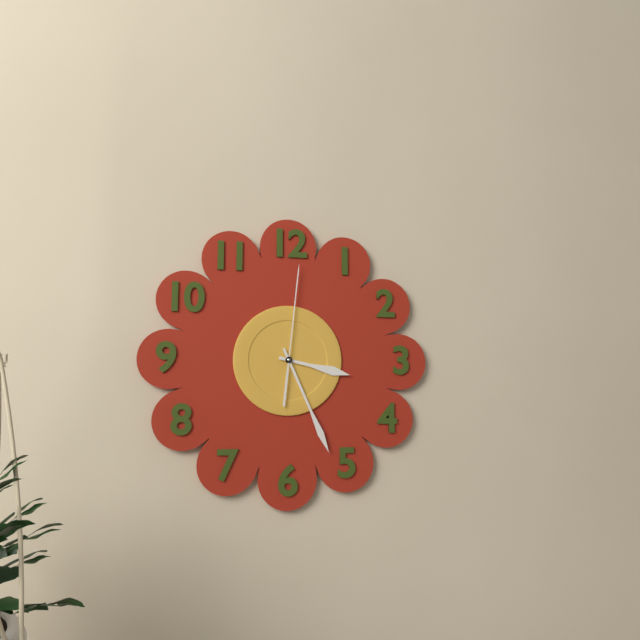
3:26:01
